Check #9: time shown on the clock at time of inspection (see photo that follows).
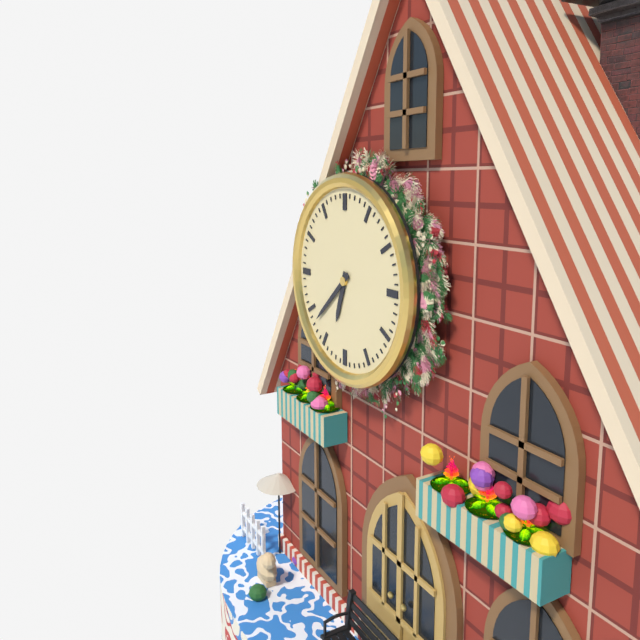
6:38
